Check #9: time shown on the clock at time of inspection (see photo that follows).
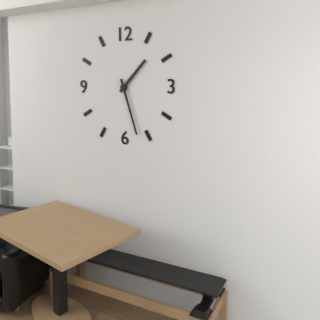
1:27
